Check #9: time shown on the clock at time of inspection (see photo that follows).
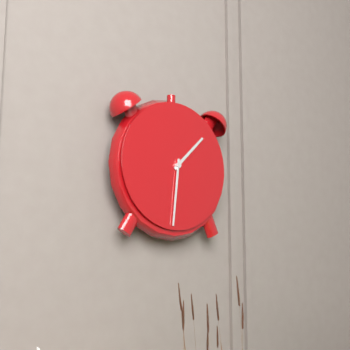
1:31
